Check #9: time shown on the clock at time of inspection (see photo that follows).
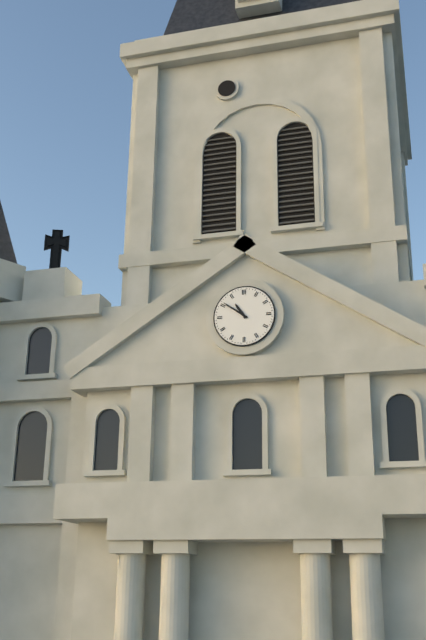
10:51
